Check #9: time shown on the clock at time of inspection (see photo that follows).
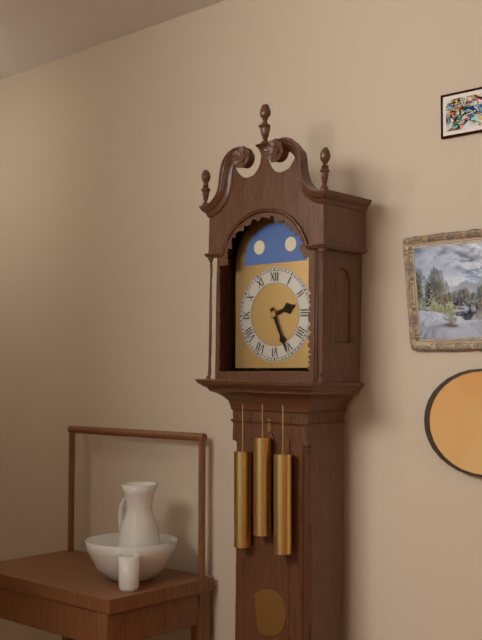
2:26
